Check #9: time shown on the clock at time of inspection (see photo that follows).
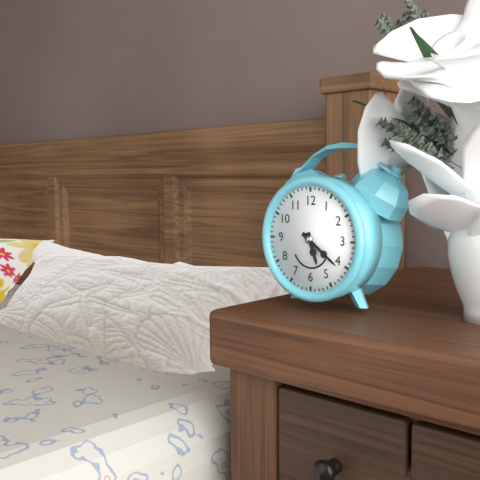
5:21
